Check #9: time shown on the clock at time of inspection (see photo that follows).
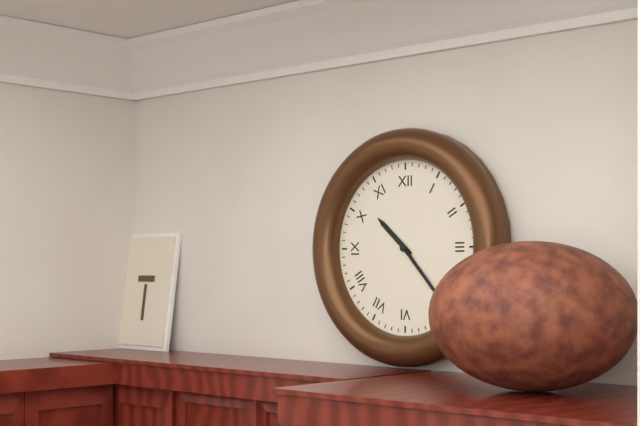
10:23
